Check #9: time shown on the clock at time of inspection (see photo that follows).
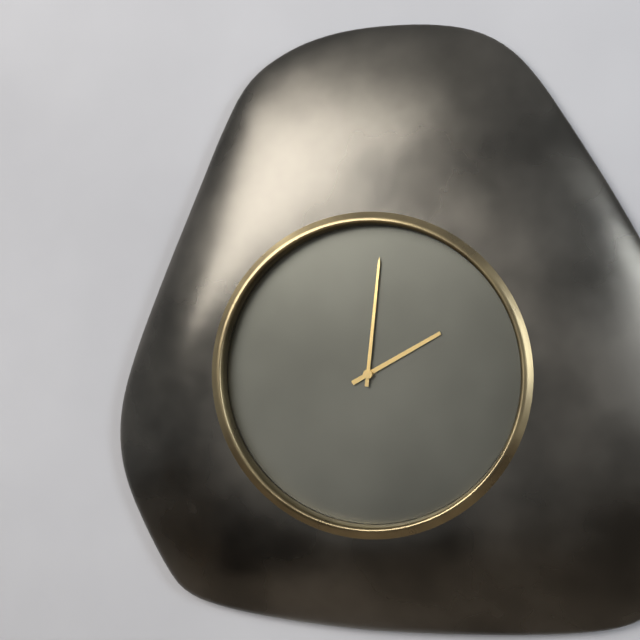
2:01
